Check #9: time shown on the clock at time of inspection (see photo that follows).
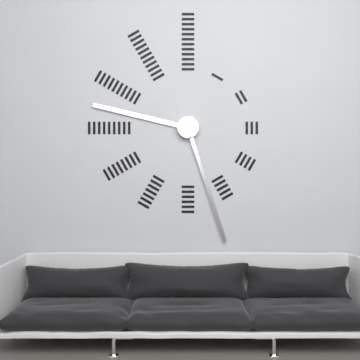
9:27
